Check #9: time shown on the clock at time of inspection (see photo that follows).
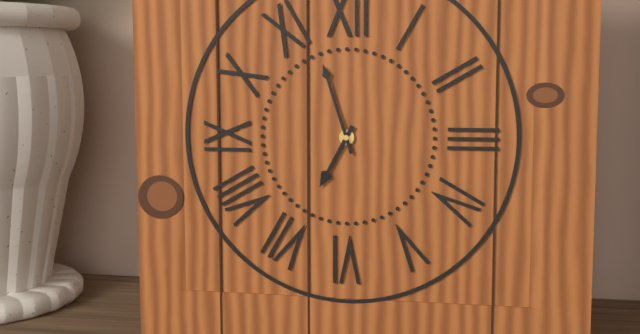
6:57
